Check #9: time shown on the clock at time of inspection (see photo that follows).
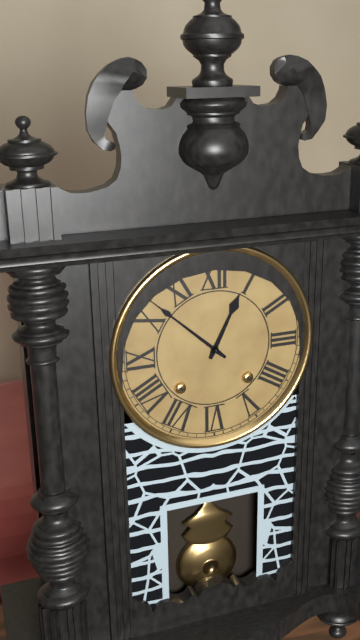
12:52
